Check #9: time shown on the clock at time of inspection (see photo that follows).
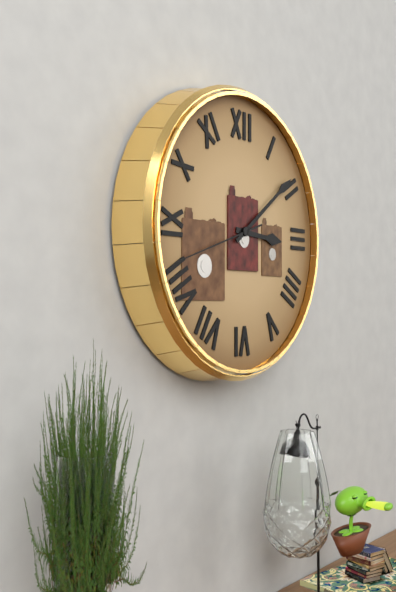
3:09:42
